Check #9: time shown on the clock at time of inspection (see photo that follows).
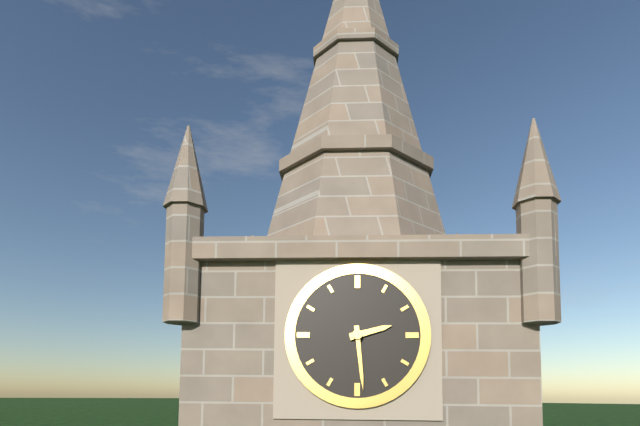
2:29
